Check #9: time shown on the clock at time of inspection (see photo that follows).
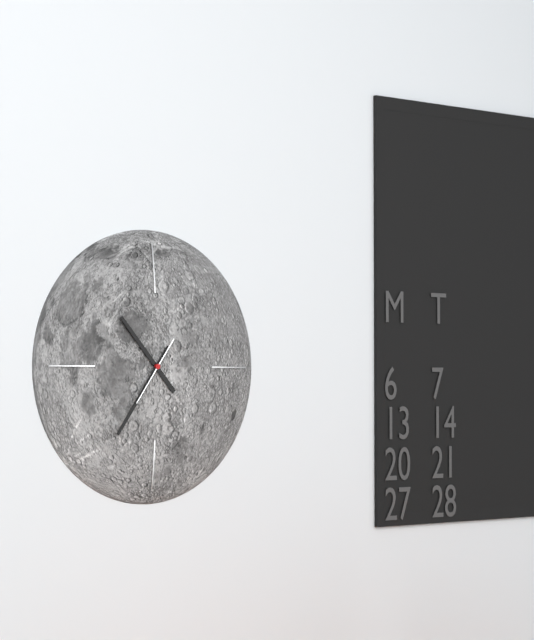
10:36:36
